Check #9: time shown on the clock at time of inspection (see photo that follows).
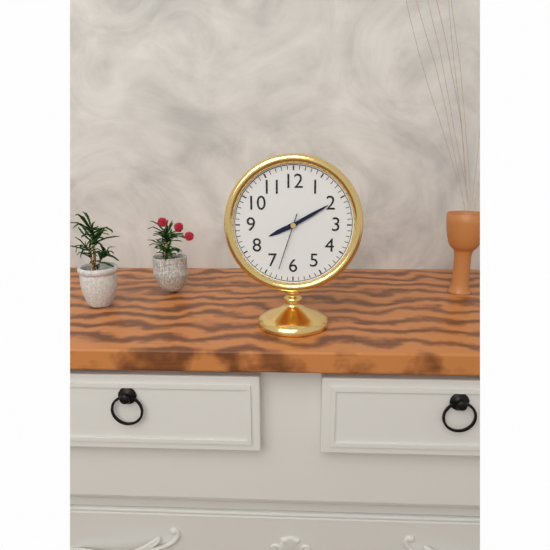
8:10:33
